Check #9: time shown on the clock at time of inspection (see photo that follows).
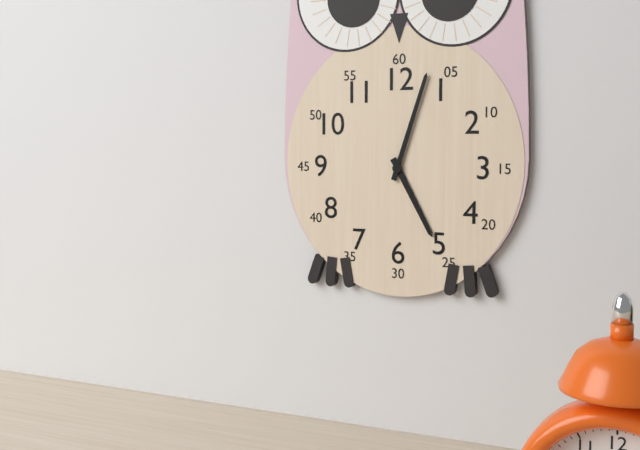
5:03
